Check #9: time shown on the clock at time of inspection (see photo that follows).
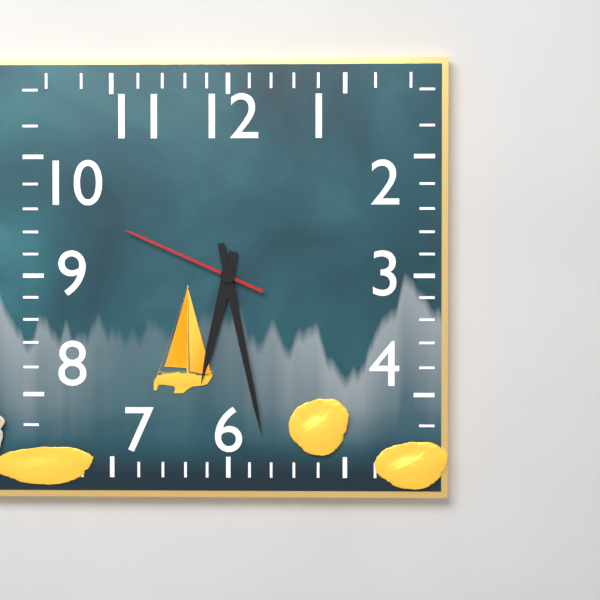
6:28:49
